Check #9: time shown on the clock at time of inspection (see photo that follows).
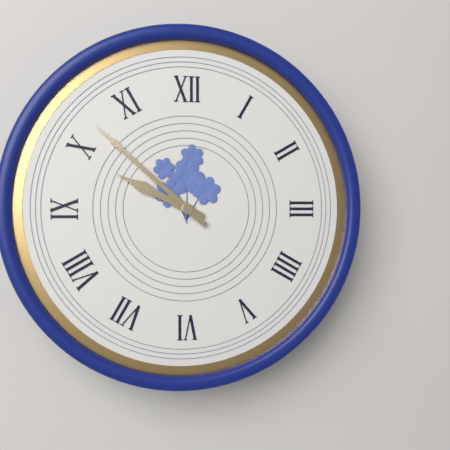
9:52
